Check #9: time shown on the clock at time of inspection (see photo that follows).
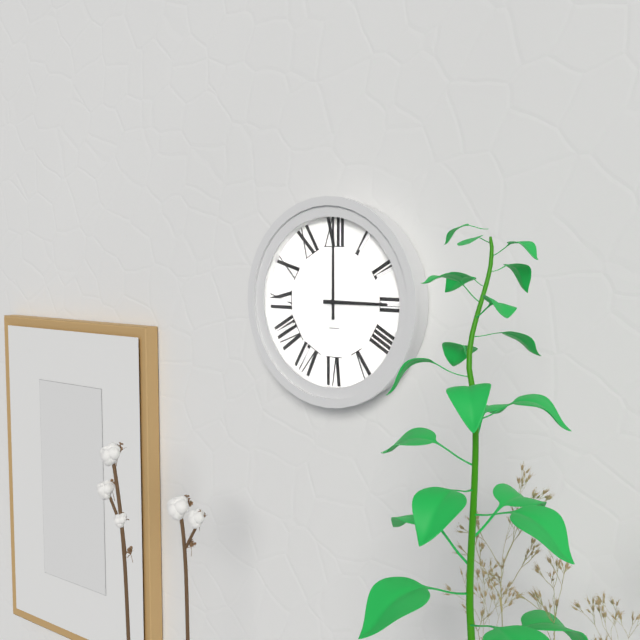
3:00
